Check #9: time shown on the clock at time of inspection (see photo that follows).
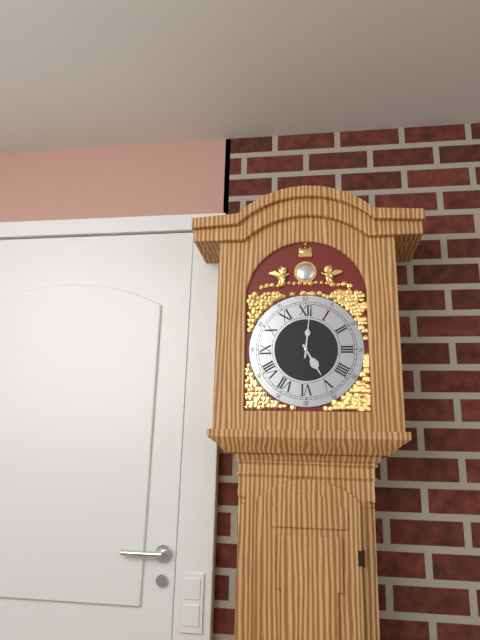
5:01
